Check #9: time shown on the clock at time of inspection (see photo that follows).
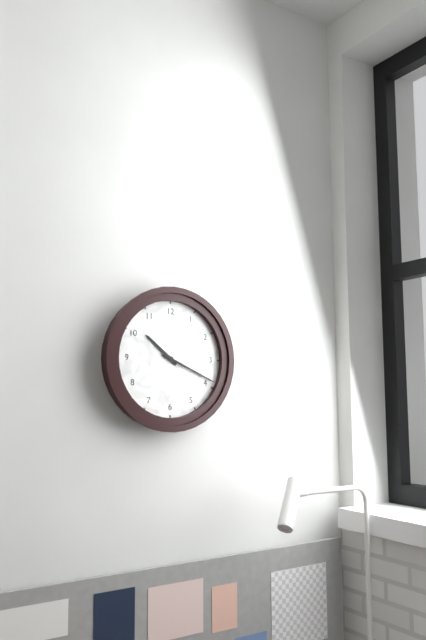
10:19
